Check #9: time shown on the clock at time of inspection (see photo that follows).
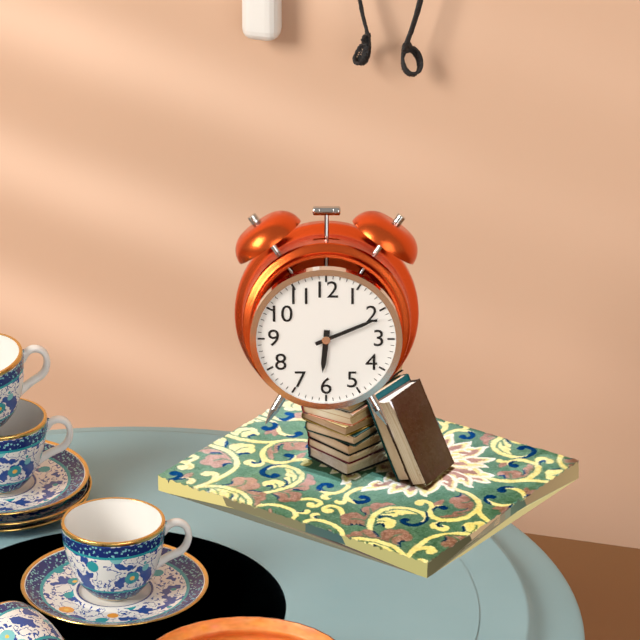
6:11
